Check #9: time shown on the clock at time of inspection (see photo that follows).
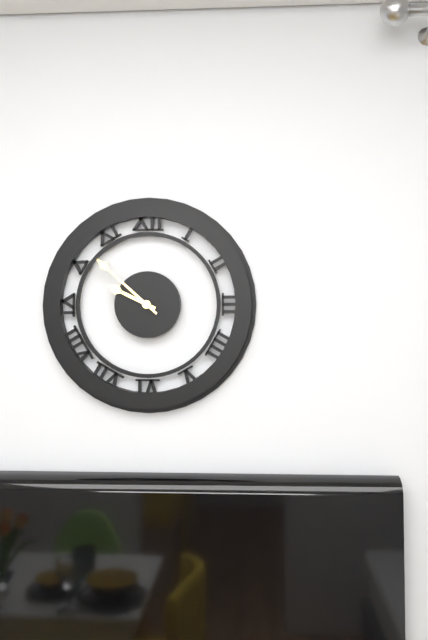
9:52
